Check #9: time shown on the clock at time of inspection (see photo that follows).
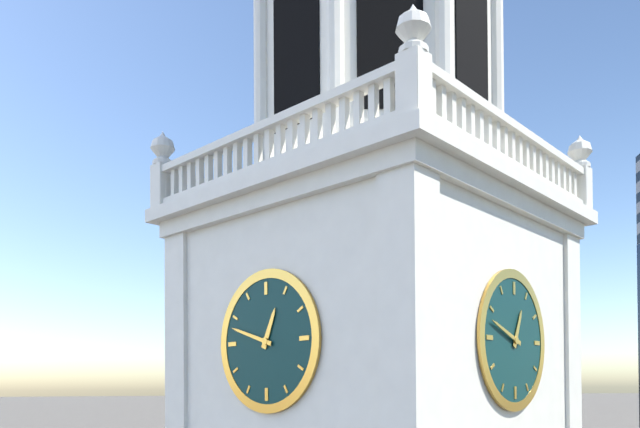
12:48
